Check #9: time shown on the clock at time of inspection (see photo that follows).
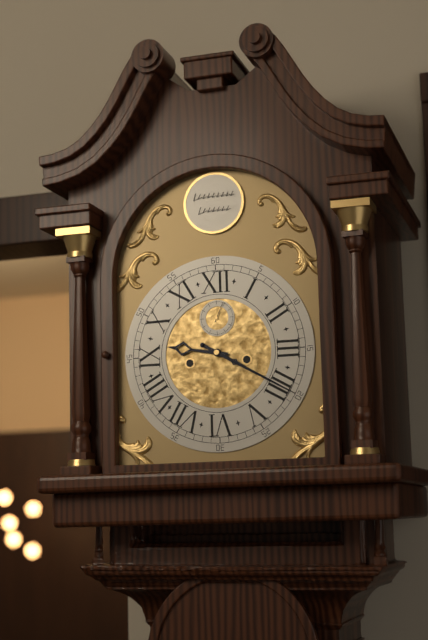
9:20
